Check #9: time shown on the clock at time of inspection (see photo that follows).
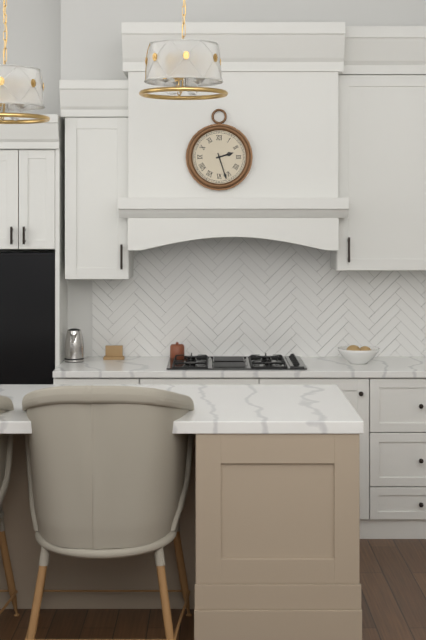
2:27
